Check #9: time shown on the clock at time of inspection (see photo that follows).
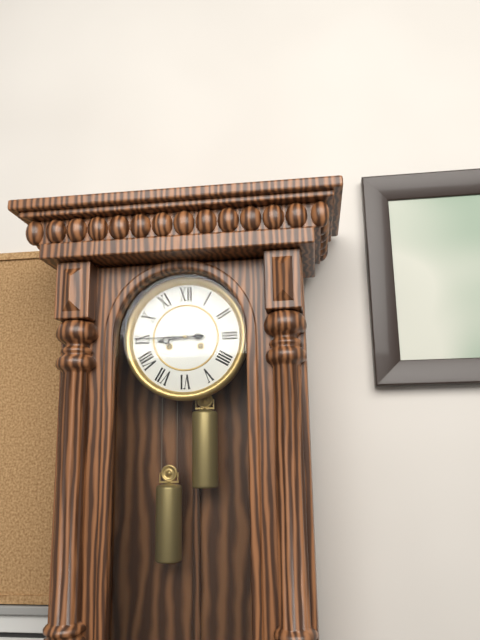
8:45
